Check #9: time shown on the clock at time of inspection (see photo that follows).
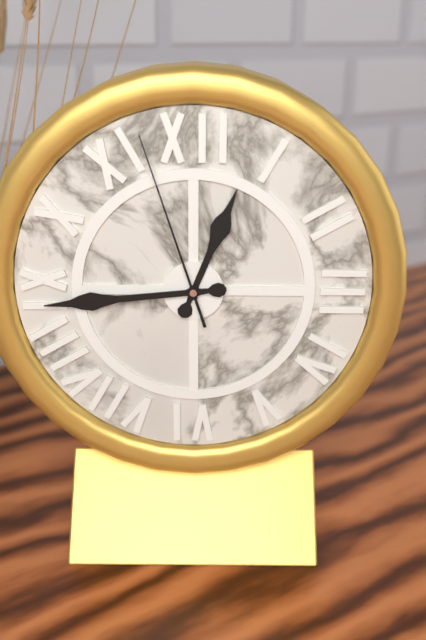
12:44:57
